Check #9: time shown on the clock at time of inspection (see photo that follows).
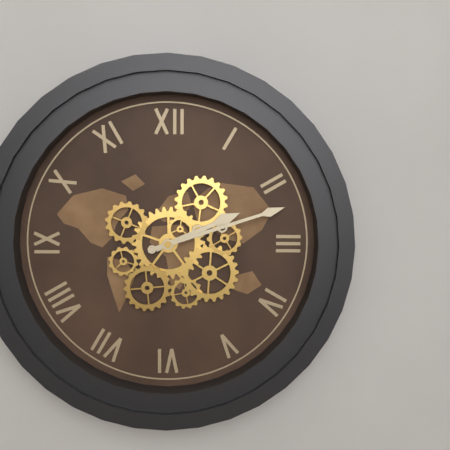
2:12
